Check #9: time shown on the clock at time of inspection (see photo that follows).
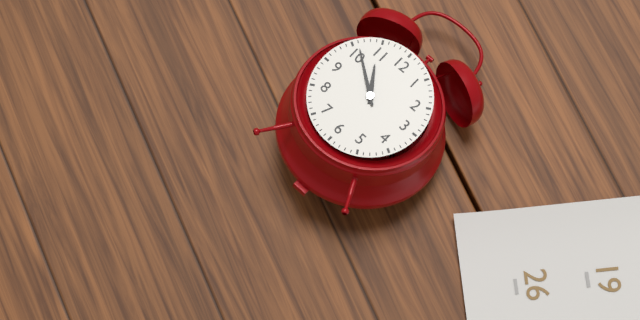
10:51
